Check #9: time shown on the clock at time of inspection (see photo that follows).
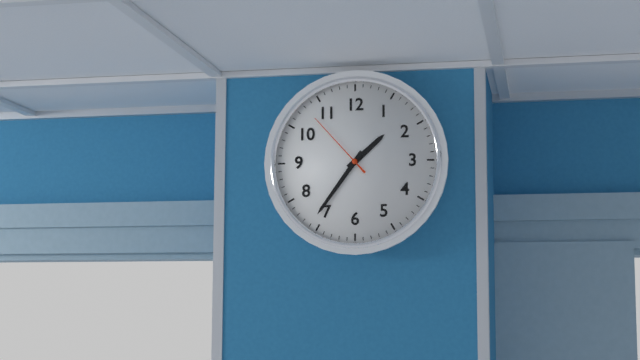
1:36:53
